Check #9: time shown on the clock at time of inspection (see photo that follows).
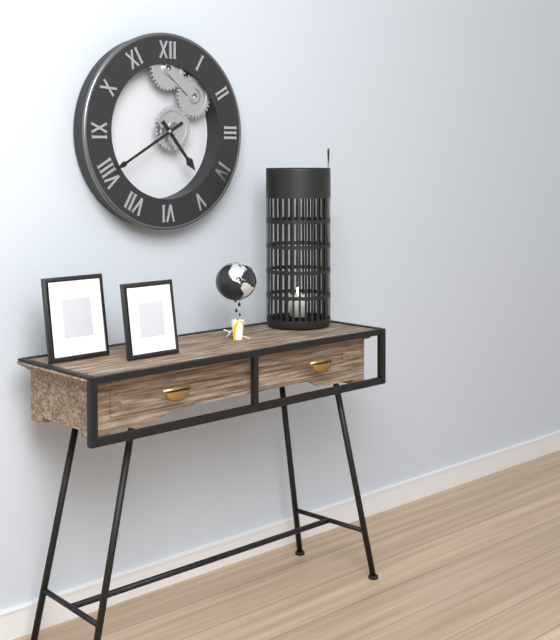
4:40
